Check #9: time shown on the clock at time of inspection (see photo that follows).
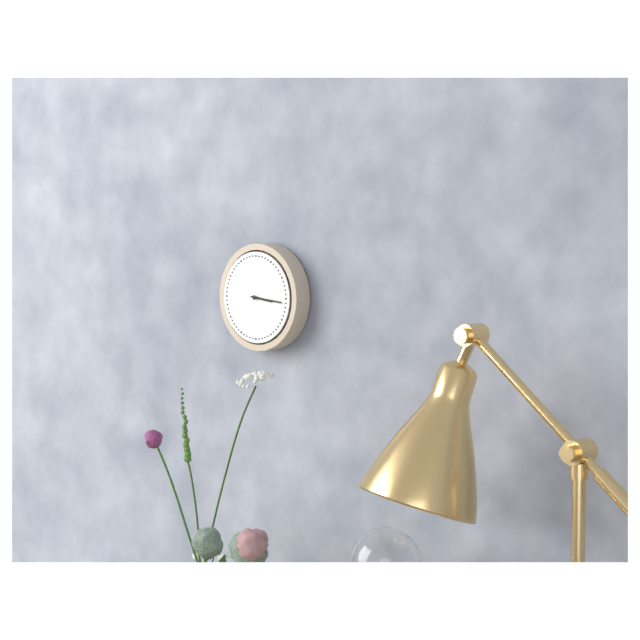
3:16
